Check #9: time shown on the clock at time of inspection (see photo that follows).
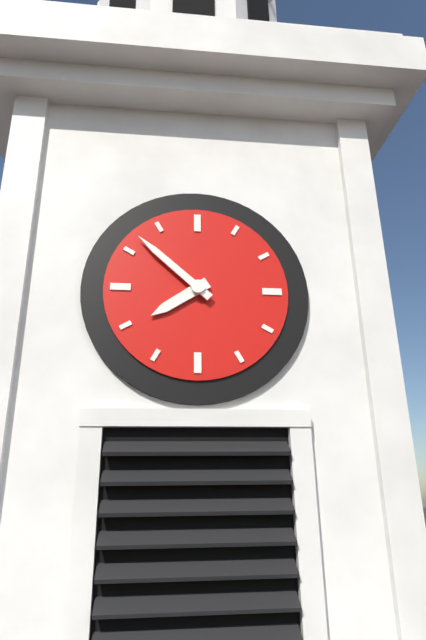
7:52
